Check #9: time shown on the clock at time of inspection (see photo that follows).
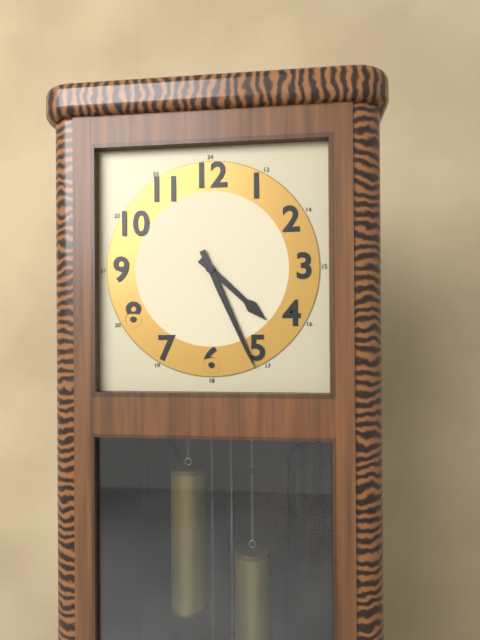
4:26
